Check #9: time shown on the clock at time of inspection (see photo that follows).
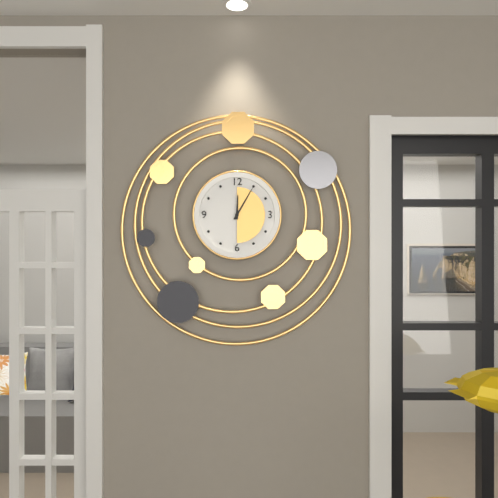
12:05
